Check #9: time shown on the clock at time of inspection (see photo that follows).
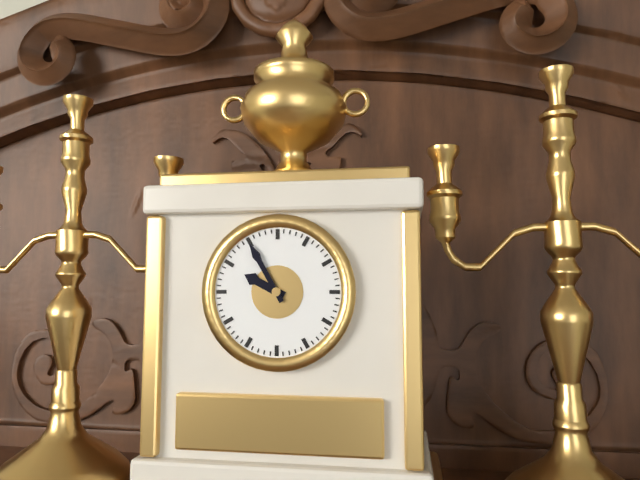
9:55
